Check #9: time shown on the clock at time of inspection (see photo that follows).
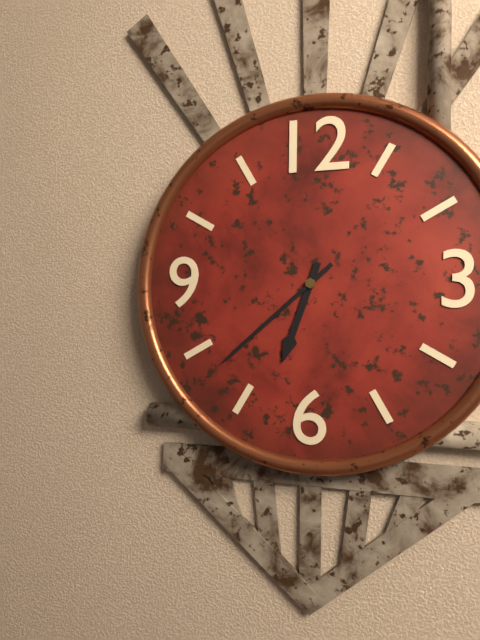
6:38
